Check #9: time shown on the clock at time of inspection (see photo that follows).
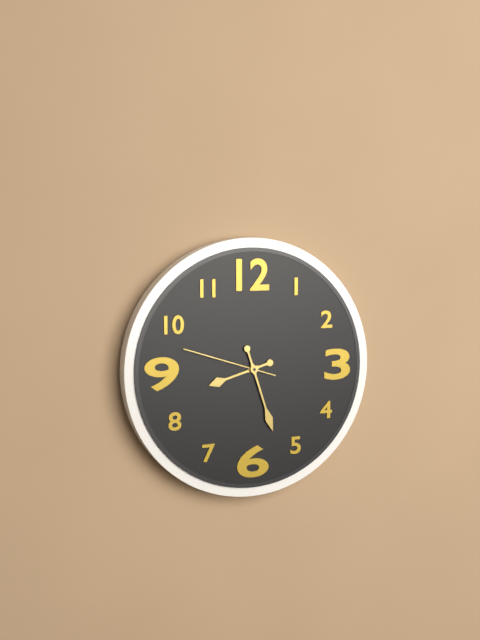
8:27:48
